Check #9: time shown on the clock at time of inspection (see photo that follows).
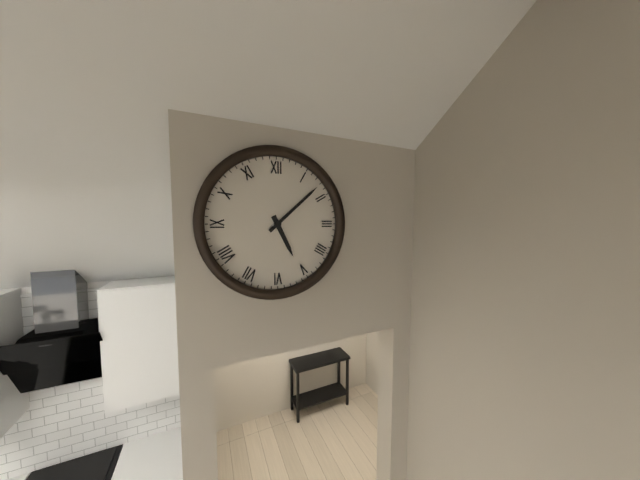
5:08
